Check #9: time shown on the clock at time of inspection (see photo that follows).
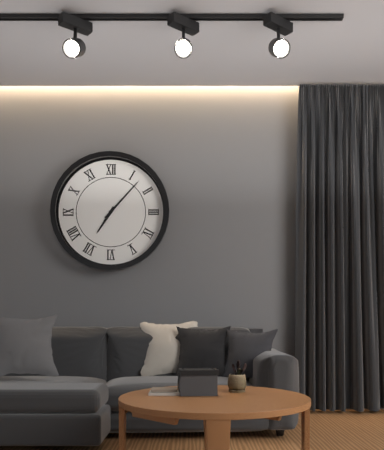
7:07
